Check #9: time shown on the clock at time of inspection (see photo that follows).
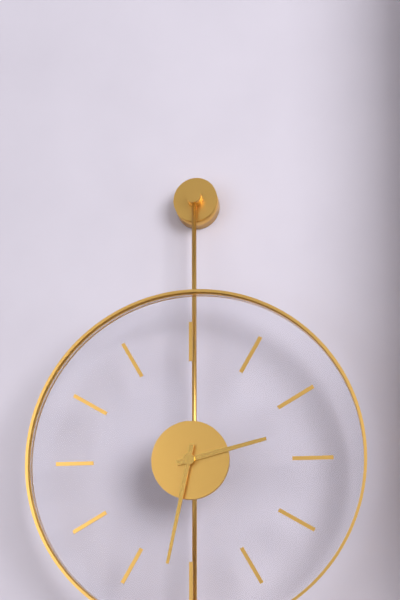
2:32
